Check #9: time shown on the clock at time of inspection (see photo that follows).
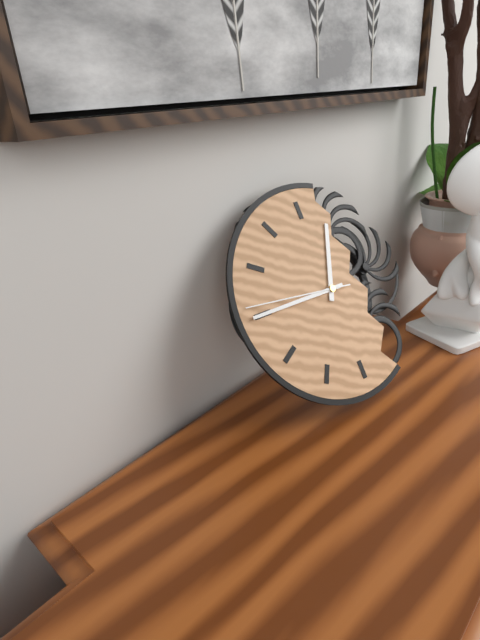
12:45:46
